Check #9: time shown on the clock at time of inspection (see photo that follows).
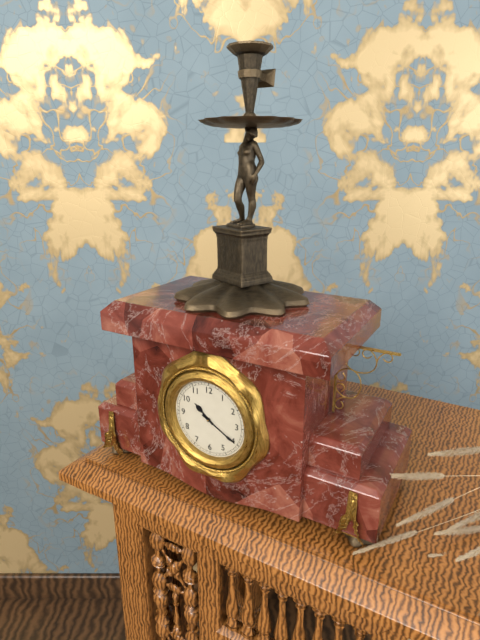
10:20
